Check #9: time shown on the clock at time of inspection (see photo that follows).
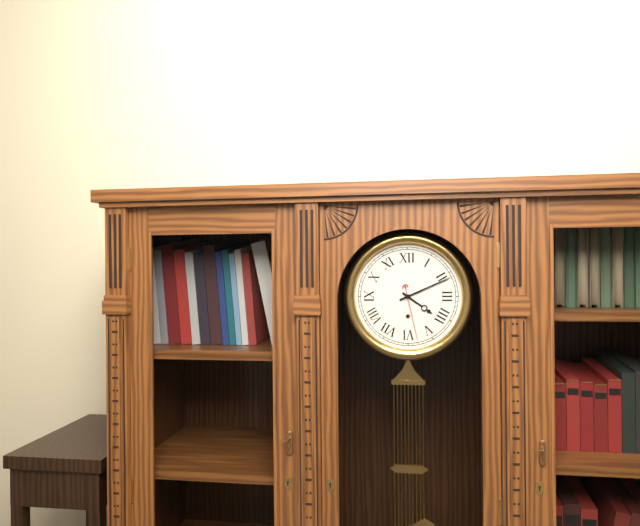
4:11:28
